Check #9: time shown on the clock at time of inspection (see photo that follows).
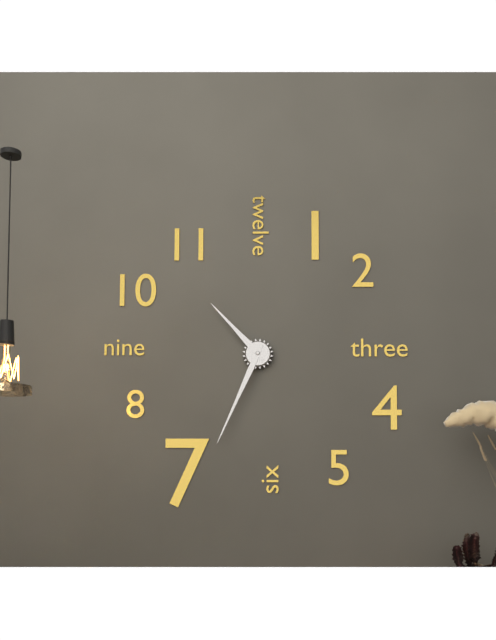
10:34
